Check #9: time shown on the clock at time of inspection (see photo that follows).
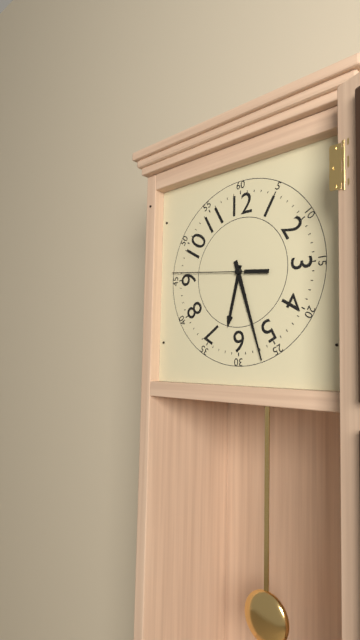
6:27:46
